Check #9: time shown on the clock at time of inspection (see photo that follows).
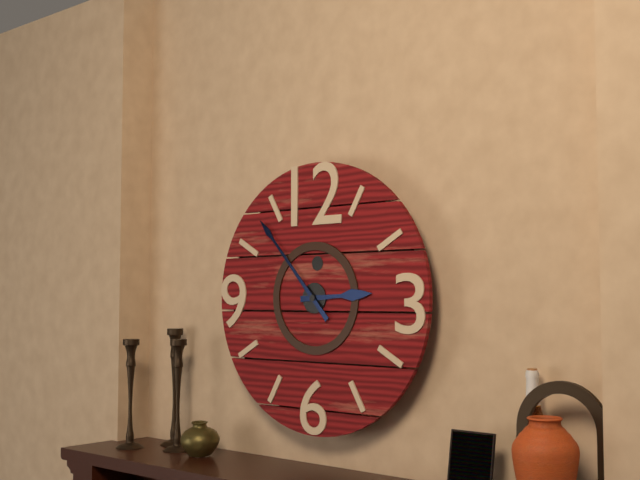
2:53
